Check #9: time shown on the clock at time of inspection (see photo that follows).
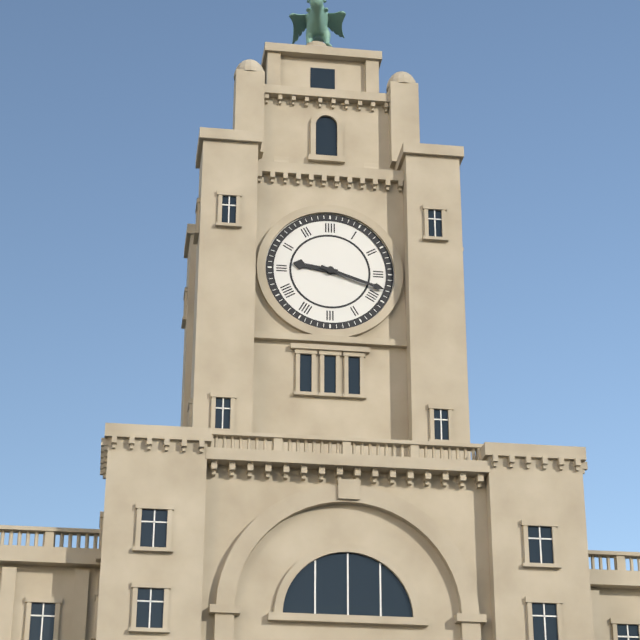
9:18
